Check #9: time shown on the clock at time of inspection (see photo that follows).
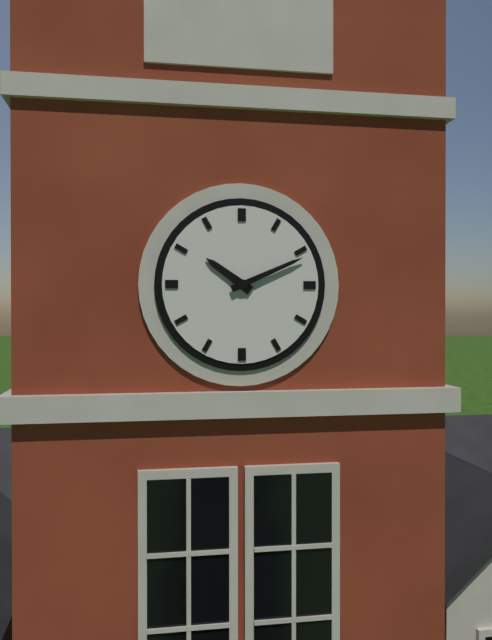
10:11
